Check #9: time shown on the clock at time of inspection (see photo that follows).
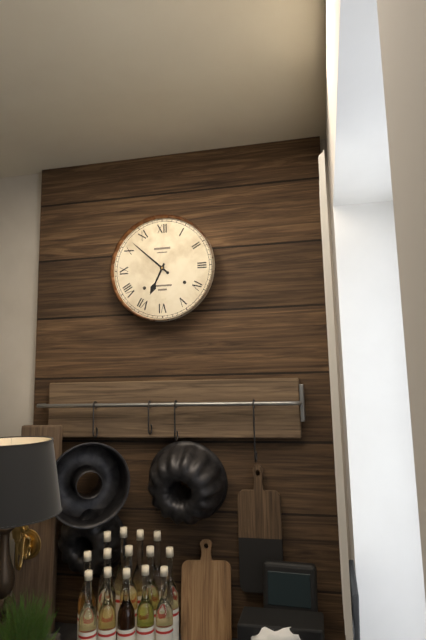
6:52
